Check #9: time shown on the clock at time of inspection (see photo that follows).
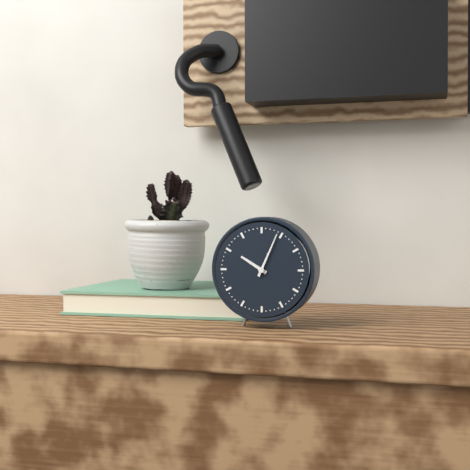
10:04
